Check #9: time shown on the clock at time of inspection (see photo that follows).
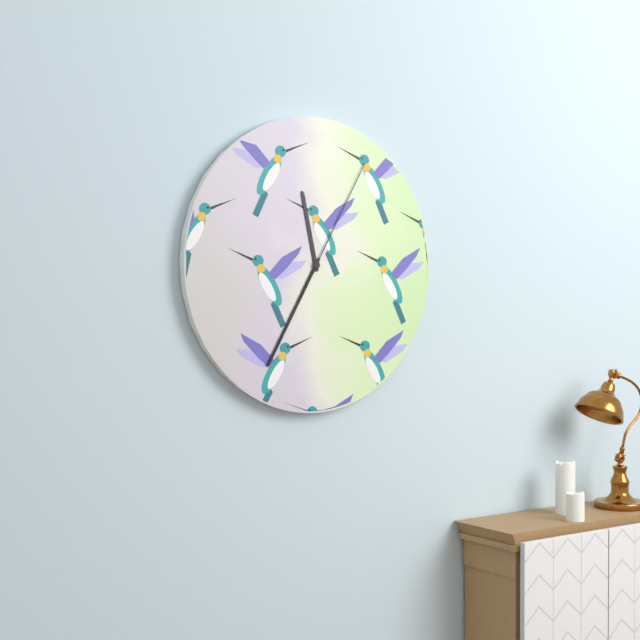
11:35:05
